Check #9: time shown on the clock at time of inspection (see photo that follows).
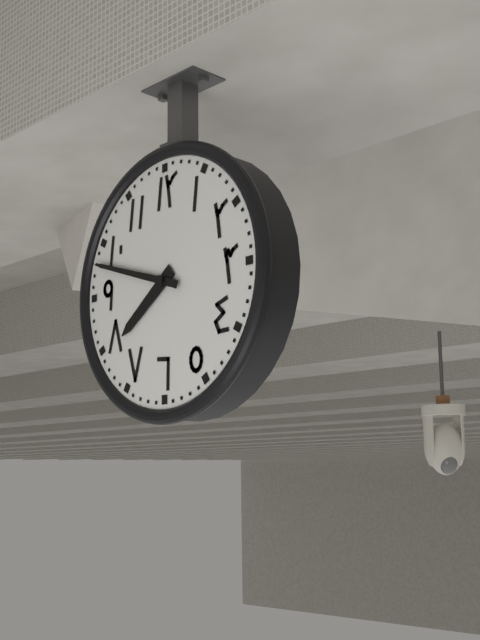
7:48
